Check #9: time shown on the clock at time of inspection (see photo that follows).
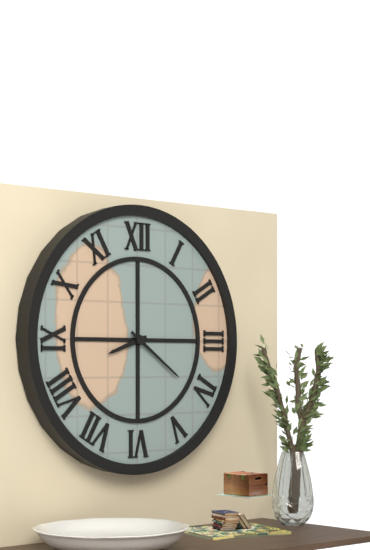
8:21
